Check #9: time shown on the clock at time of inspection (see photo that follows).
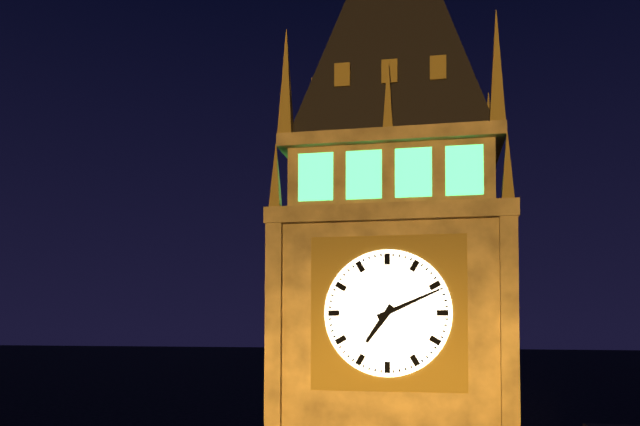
7:11
